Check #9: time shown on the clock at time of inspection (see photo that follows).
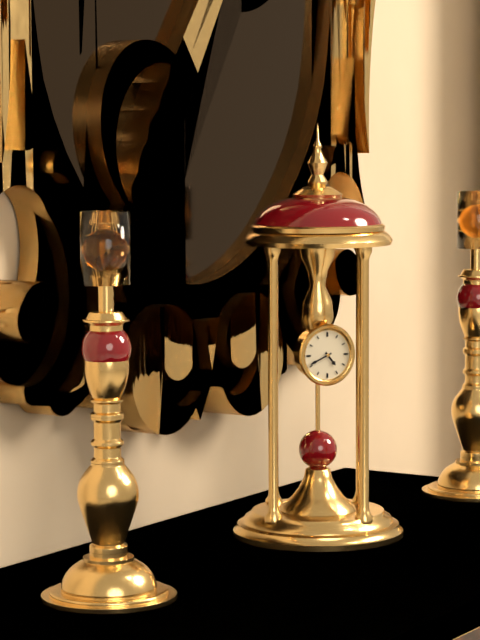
4:41
